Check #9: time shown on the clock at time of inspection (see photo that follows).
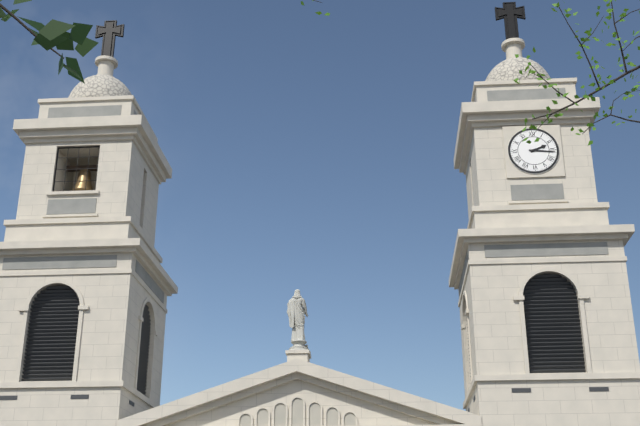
2:16
